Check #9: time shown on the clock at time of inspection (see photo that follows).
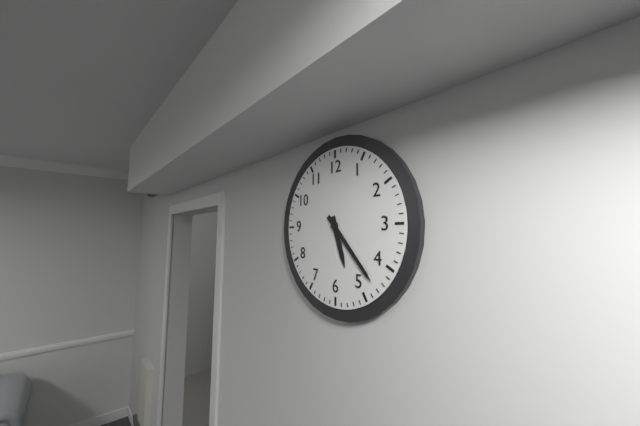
5:23
